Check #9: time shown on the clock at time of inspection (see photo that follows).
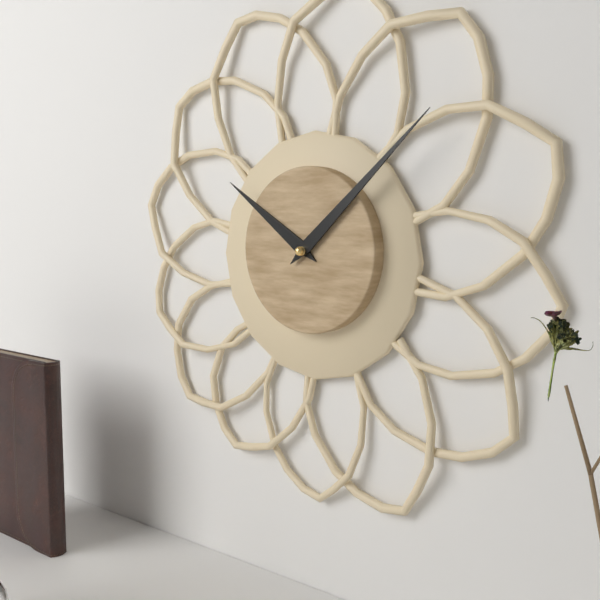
10:08
